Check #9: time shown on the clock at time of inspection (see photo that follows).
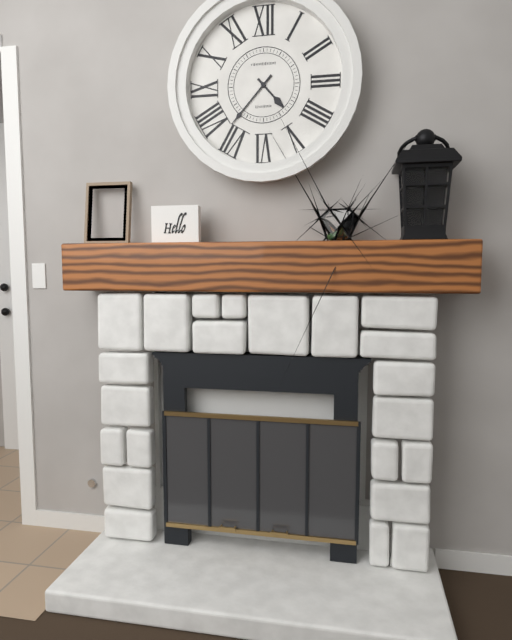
4:37
